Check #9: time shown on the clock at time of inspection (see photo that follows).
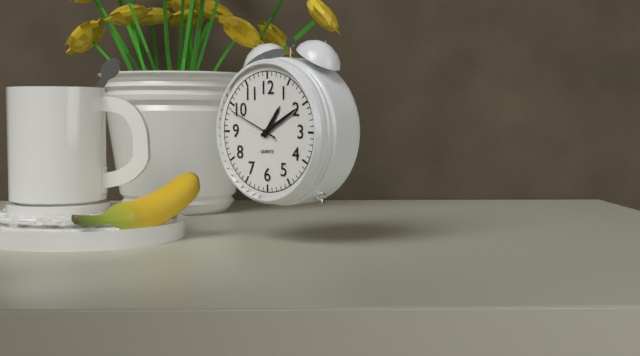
1:10:49
